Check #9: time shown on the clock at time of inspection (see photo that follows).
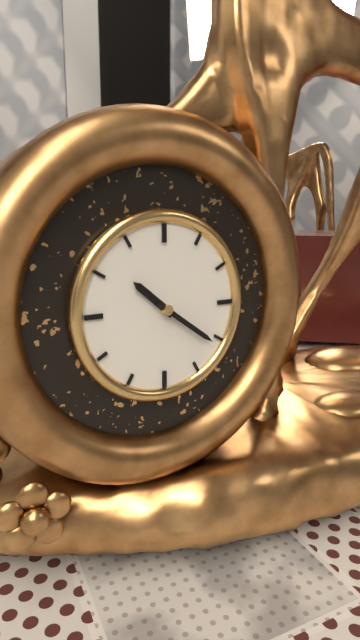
10:21
